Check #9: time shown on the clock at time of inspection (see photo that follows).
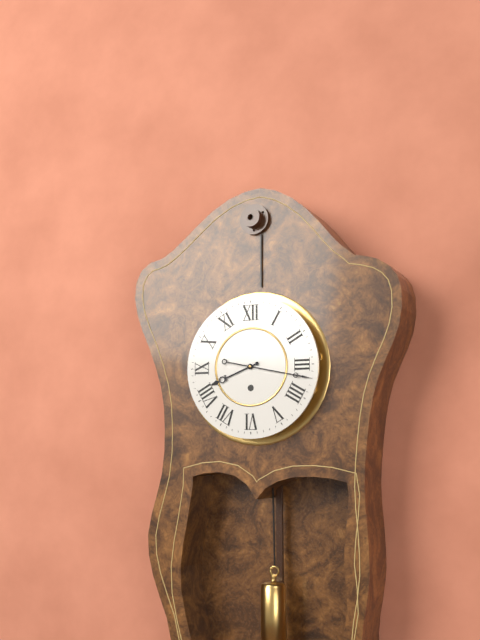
8:17
